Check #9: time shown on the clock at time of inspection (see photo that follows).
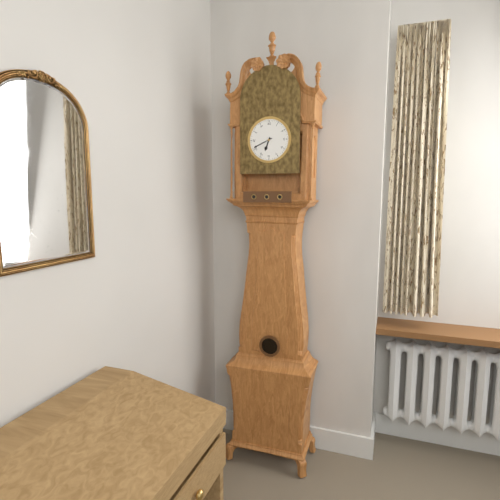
6:41
